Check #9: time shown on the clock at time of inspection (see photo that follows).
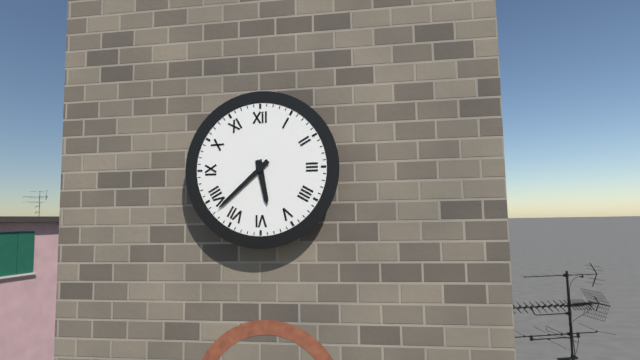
5:38
